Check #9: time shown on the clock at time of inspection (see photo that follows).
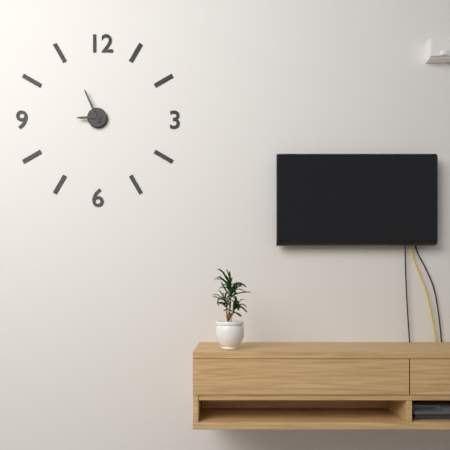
8:56
